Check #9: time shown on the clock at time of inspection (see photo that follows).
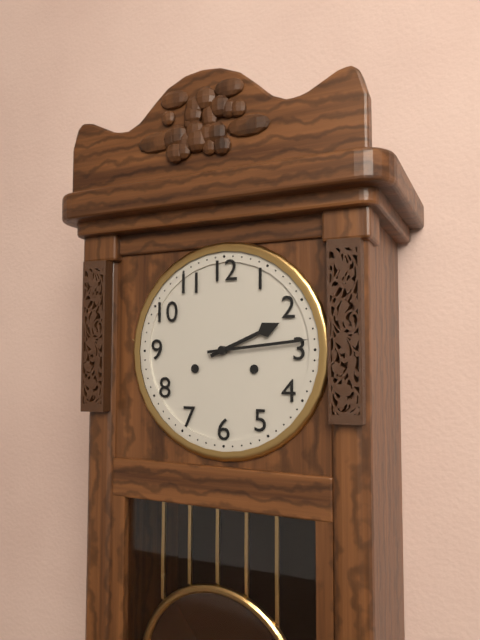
2:14
